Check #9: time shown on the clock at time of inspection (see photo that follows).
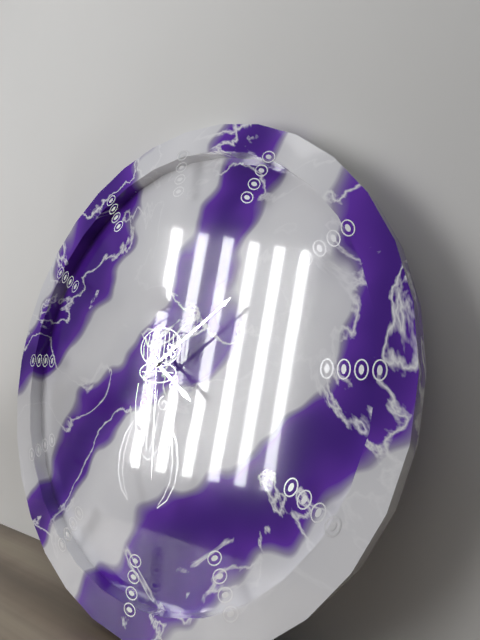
4:09:29
